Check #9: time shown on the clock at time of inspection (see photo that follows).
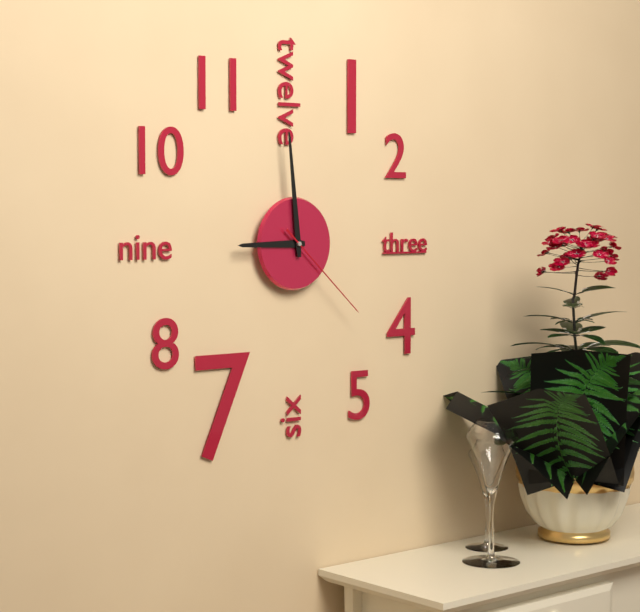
8:59:22
